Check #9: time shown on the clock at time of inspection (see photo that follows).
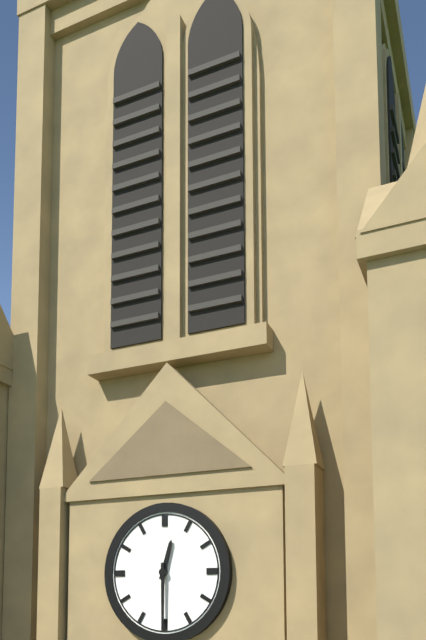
12:30
